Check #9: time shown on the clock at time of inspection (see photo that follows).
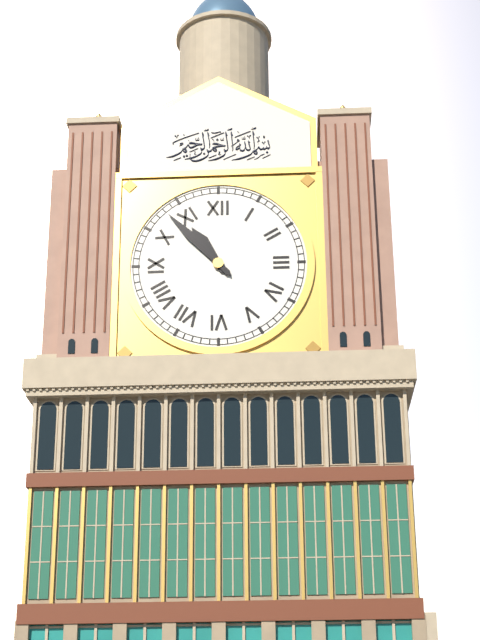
10:53
